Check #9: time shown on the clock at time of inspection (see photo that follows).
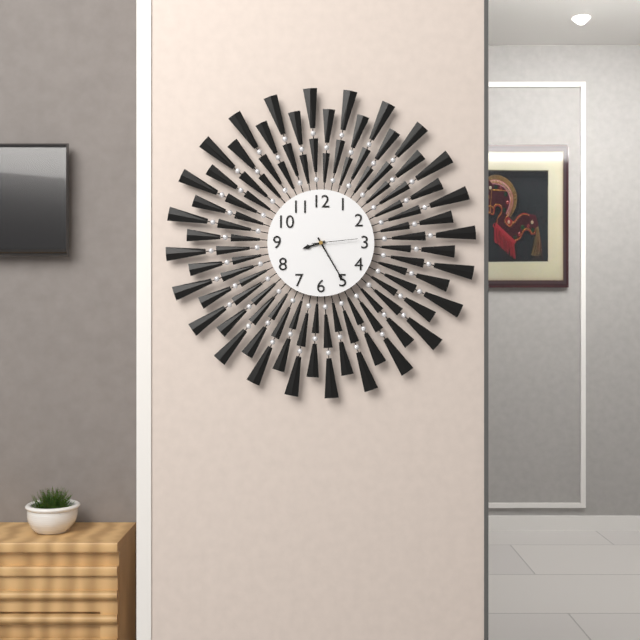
8:25
